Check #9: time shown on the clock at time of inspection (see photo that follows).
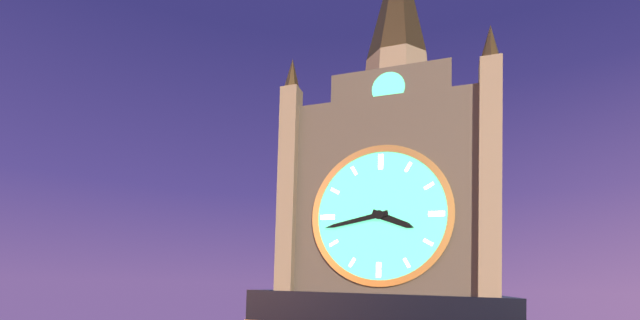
3:43
